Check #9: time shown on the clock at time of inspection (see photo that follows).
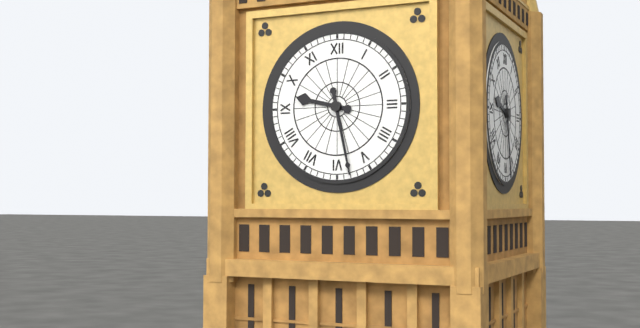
9:28
